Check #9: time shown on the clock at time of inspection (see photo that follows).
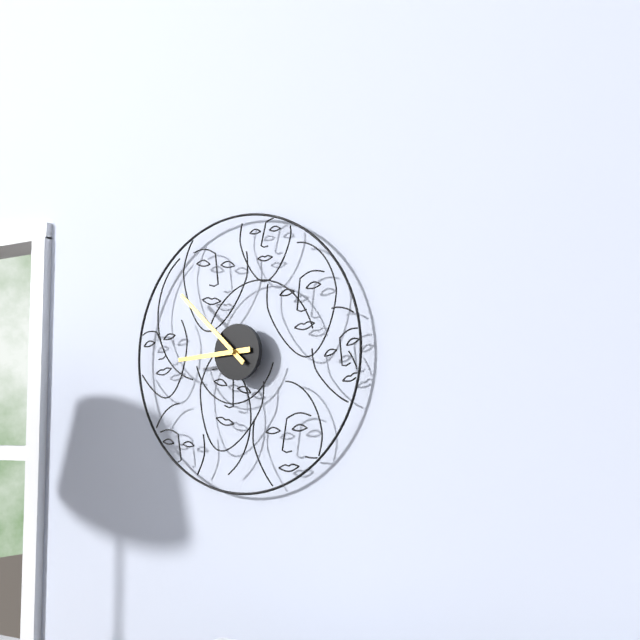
8:52
